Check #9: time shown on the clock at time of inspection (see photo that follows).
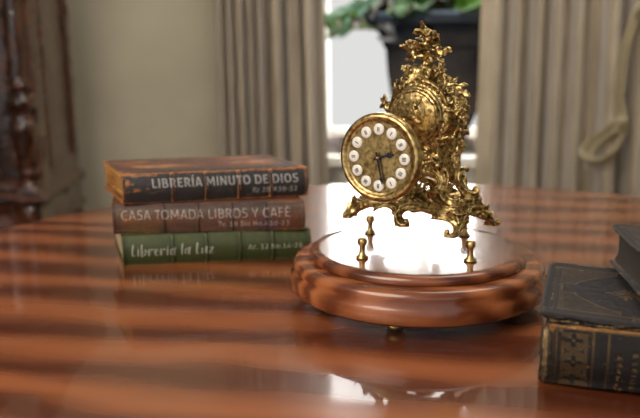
2:28
